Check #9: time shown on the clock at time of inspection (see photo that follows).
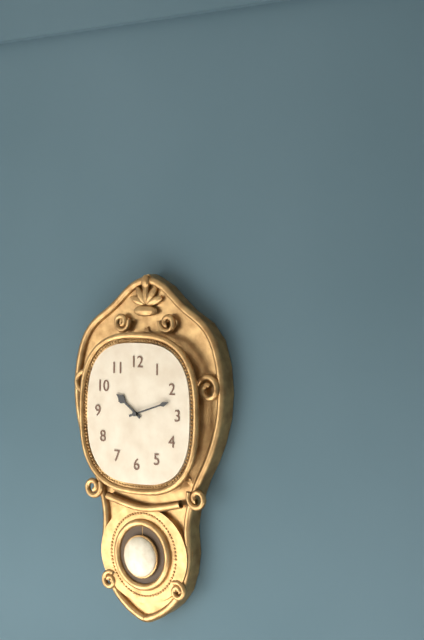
10:12
